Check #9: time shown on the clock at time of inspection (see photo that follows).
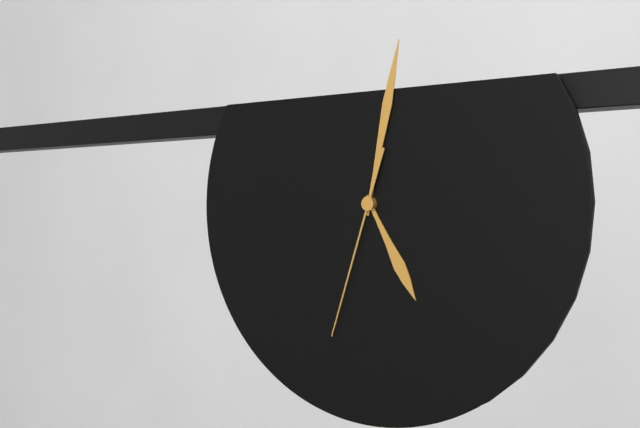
5:02:33
